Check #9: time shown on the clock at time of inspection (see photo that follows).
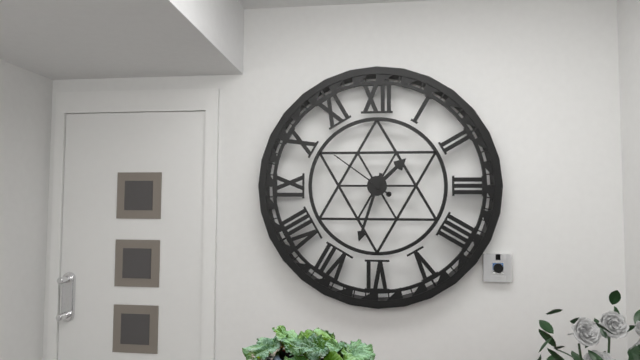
1:33:51
